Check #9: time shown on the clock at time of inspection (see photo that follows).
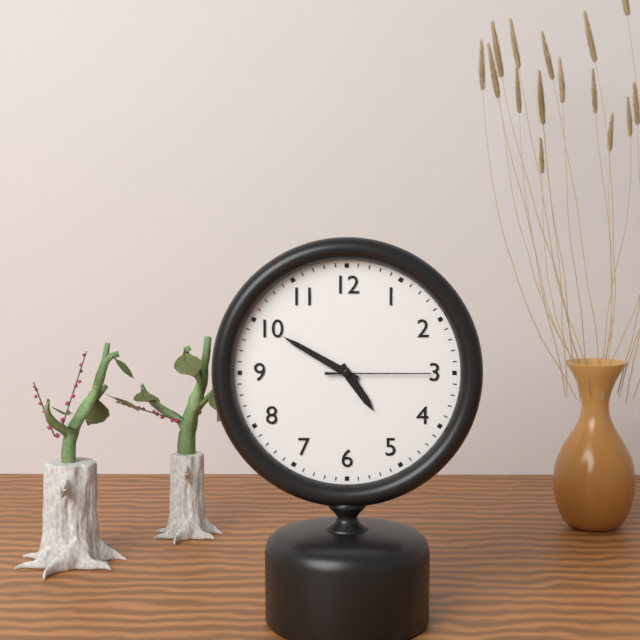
4:50:15
